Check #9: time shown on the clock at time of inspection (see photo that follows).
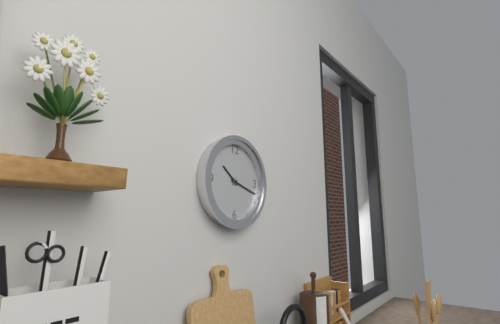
10:18
